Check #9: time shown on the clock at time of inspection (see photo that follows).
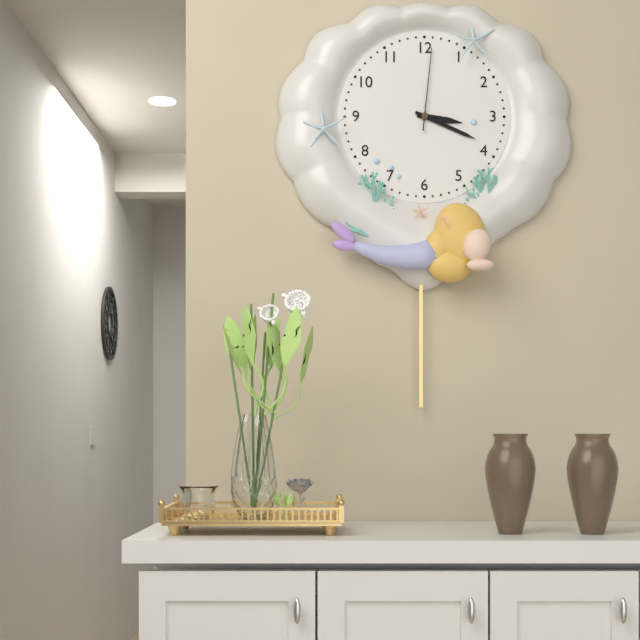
3:19:01
